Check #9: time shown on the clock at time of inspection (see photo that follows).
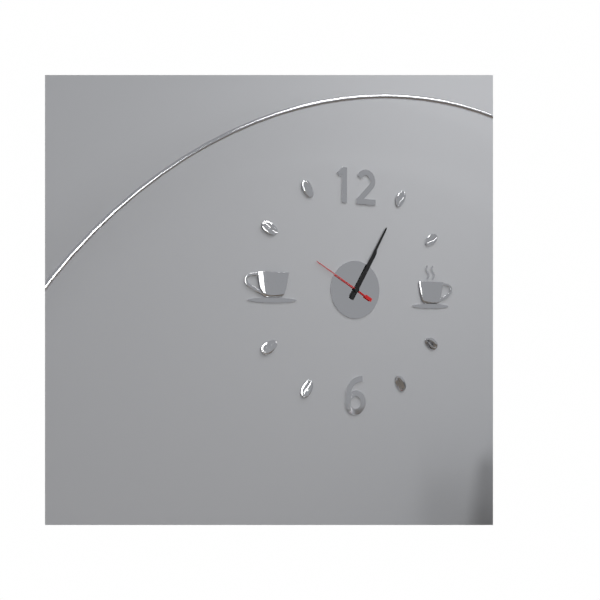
1:05:50
